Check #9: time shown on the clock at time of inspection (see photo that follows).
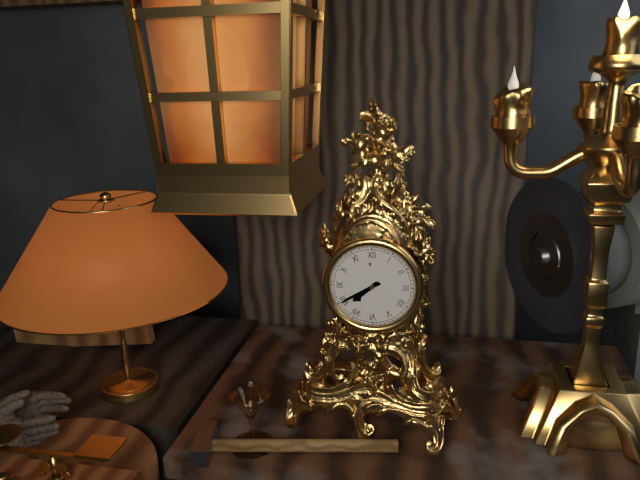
7:40
